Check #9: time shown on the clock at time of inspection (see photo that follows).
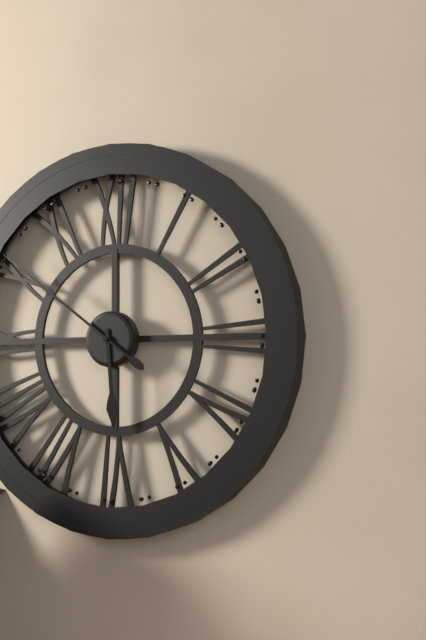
5:51
